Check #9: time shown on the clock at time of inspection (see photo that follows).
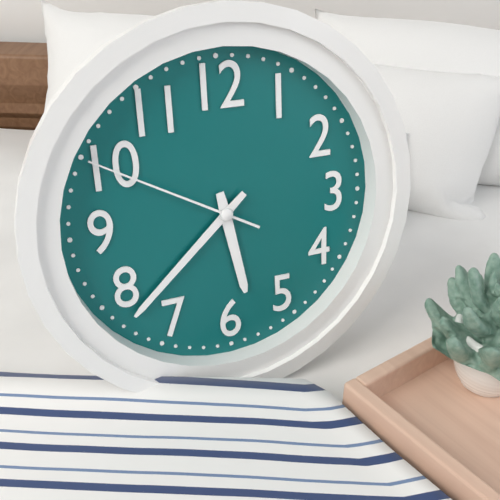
5:38:50
